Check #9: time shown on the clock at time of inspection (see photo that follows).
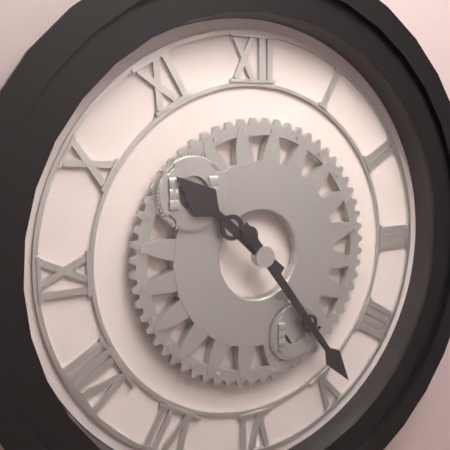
10:24
